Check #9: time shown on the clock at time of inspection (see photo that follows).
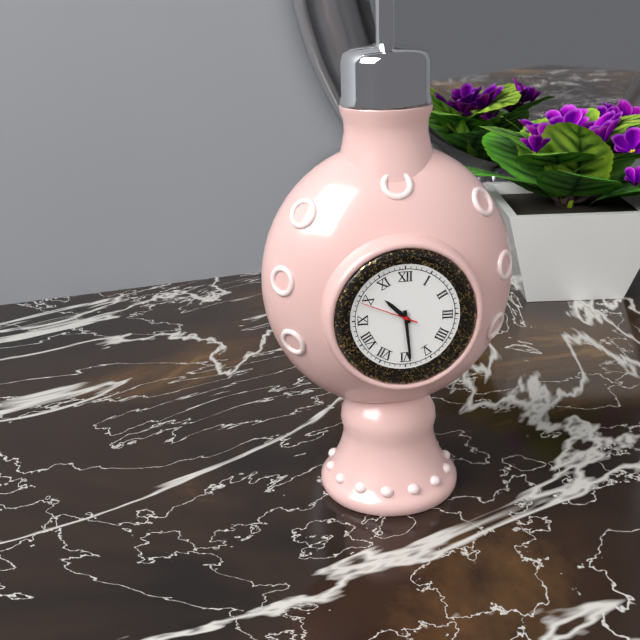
10:29:49
